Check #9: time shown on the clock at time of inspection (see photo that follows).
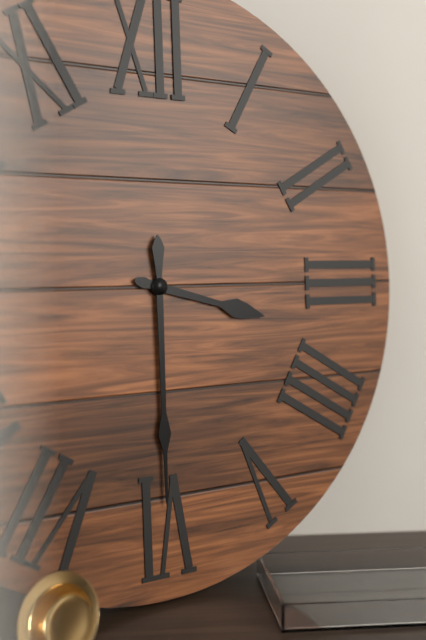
3:30
